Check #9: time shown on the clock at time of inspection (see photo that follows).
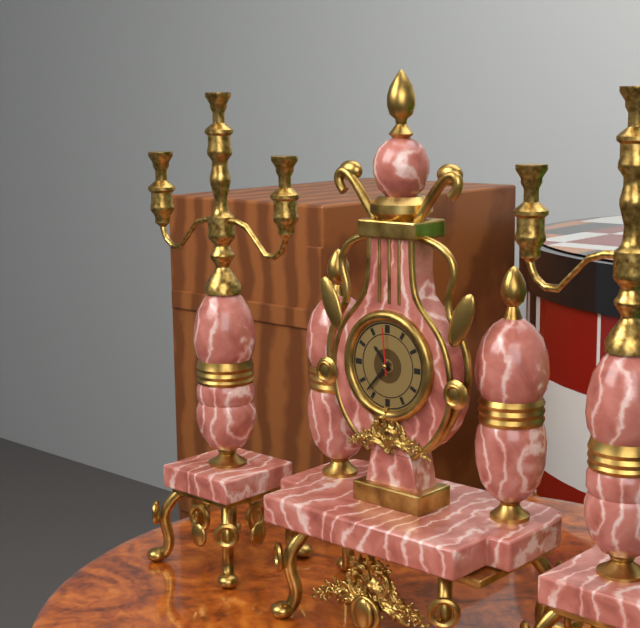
10:37:59
